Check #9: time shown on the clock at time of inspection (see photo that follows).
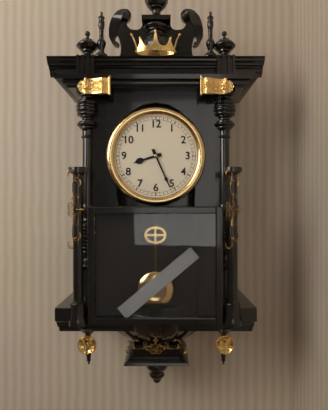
8:26
